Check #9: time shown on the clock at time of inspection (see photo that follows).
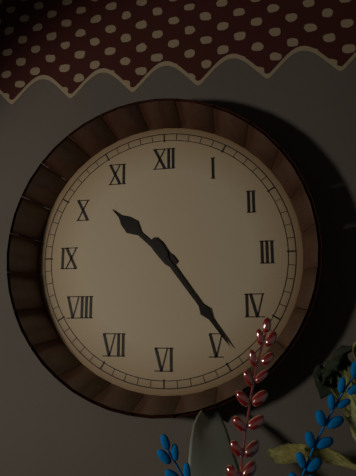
10:24
